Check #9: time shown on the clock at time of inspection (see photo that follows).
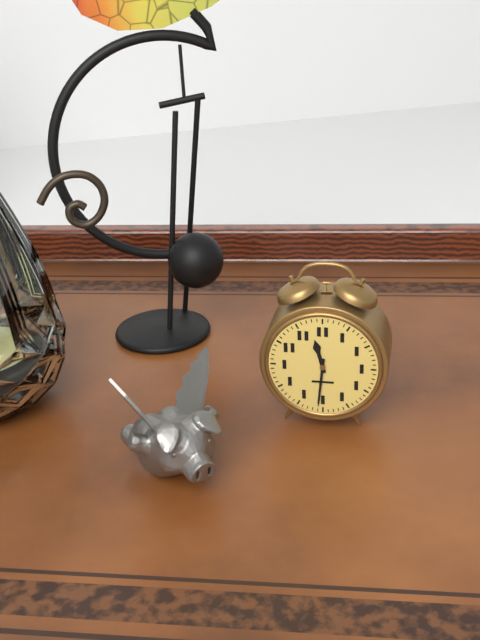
11:31
